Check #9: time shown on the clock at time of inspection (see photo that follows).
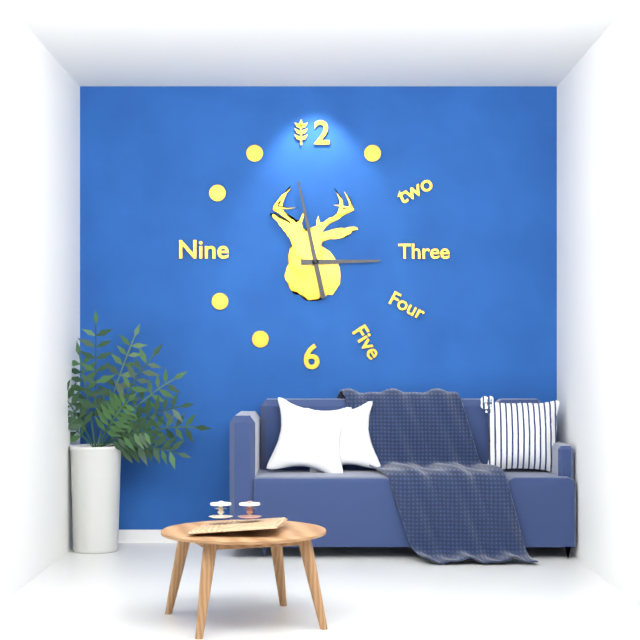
2:58
